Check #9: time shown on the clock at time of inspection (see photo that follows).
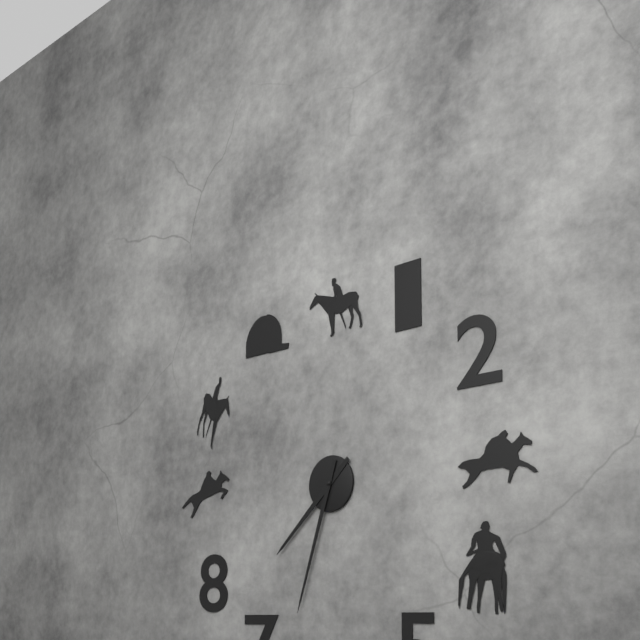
7:33
